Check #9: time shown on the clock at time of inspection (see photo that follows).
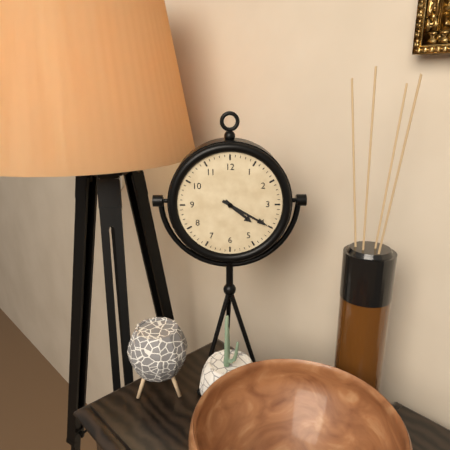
4:20
